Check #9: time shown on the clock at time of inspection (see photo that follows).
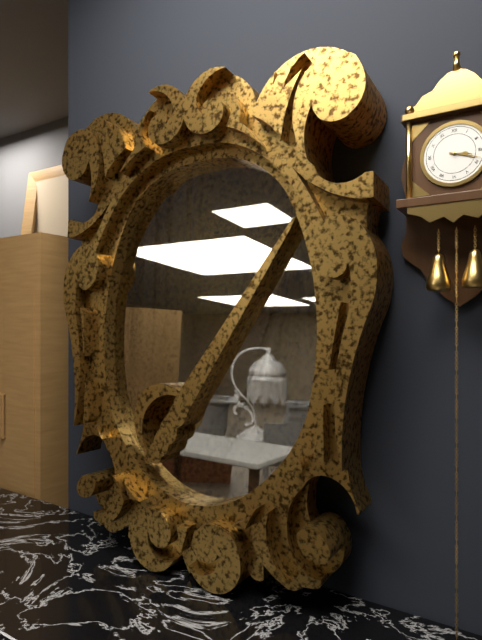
3:18
